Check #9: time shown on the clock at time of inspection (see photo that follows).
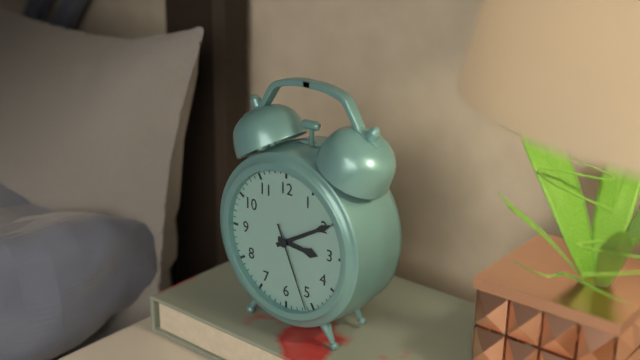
3:10:26
